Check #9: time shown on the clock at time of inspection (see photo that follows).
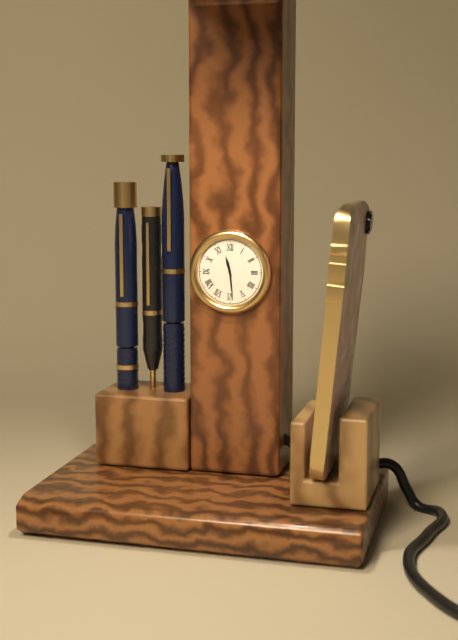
11:29
